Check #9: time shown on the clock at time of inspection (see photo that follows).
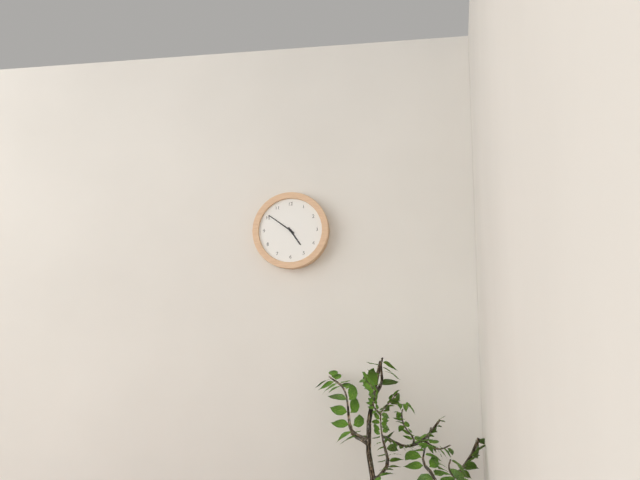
4:51
